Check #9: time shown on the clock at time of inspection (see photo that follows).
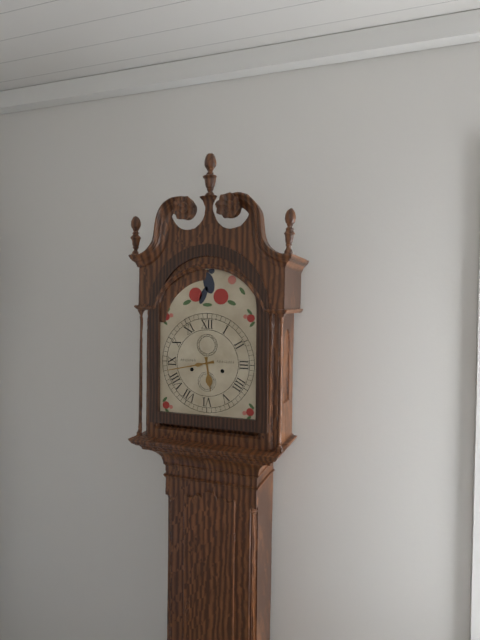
5:43
